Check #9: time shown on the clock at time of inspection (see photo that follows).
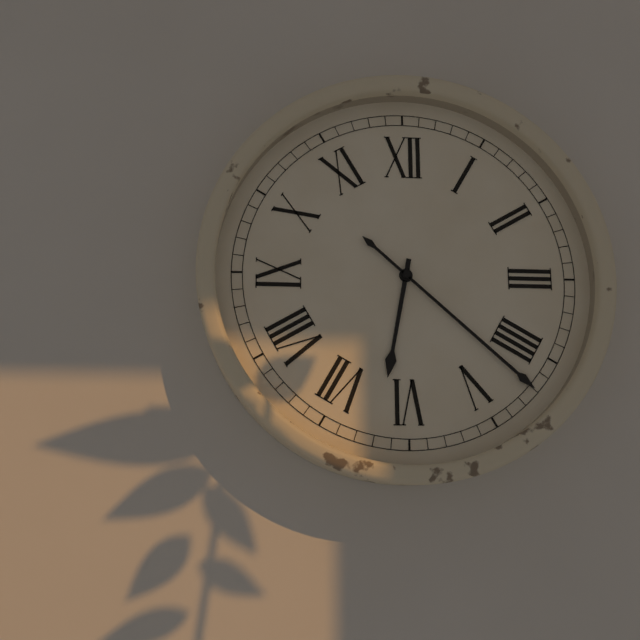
6:22
